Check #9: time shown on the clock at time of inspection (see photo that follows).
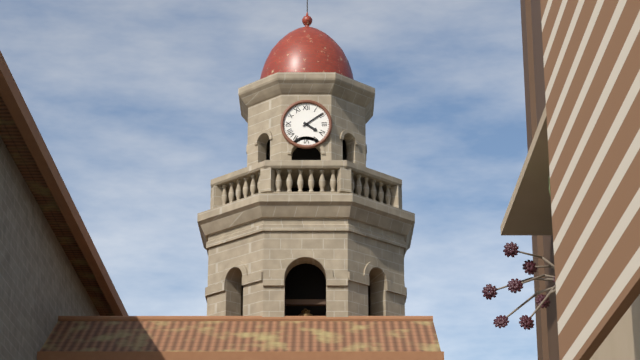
4:09
